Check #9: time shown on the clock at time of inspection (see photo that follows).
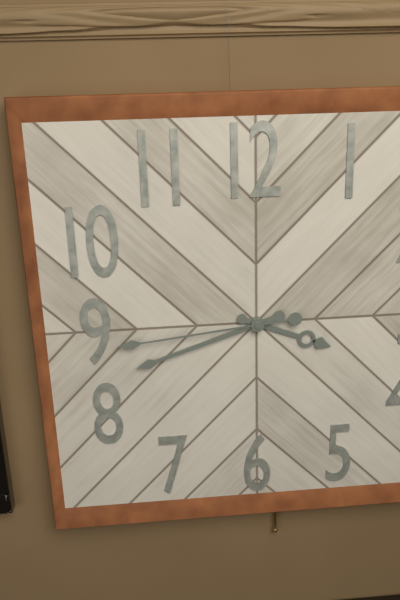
3:42:44
